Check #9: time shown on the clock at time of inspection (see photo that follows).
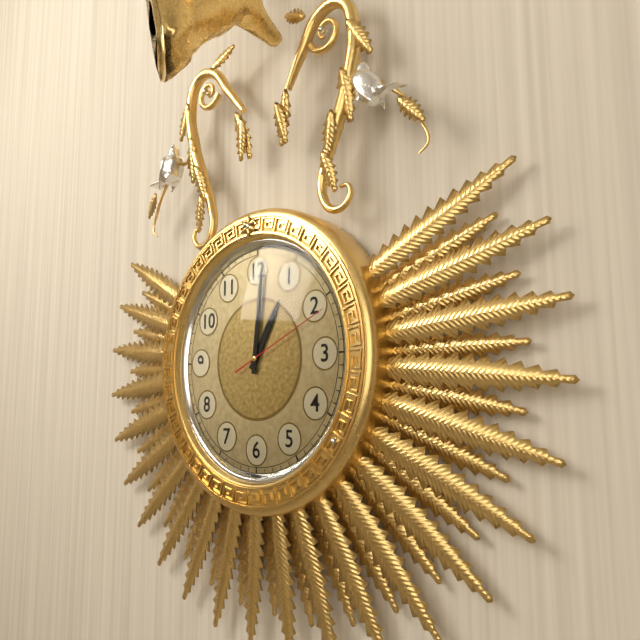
1:01:11
